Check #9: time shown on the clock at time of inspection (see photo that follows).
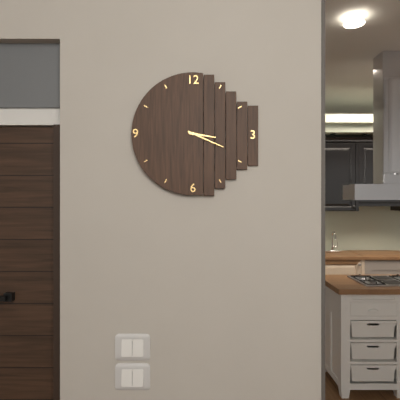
3:19
